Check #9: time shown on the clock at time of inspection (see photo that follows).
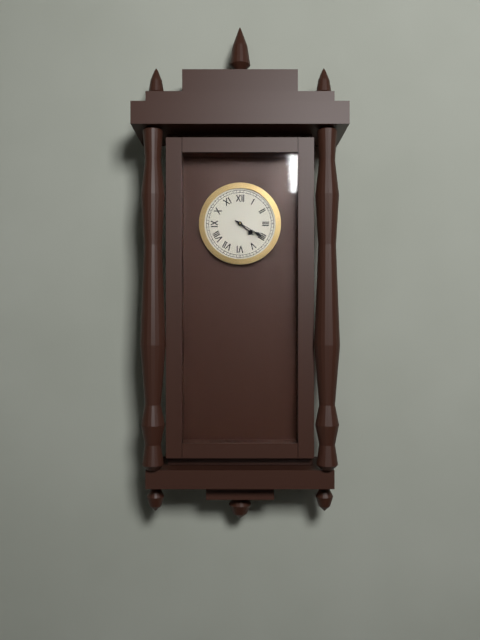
4:20
